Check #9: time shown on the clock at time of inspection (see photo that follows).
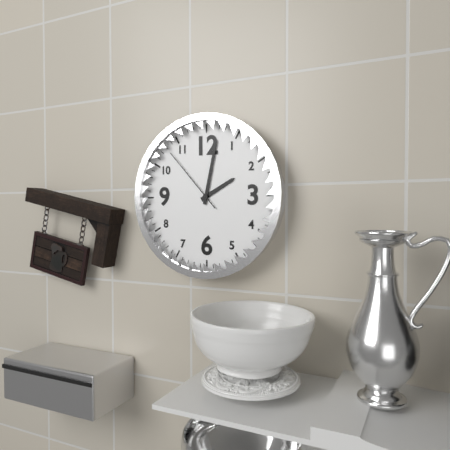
2:02:53
